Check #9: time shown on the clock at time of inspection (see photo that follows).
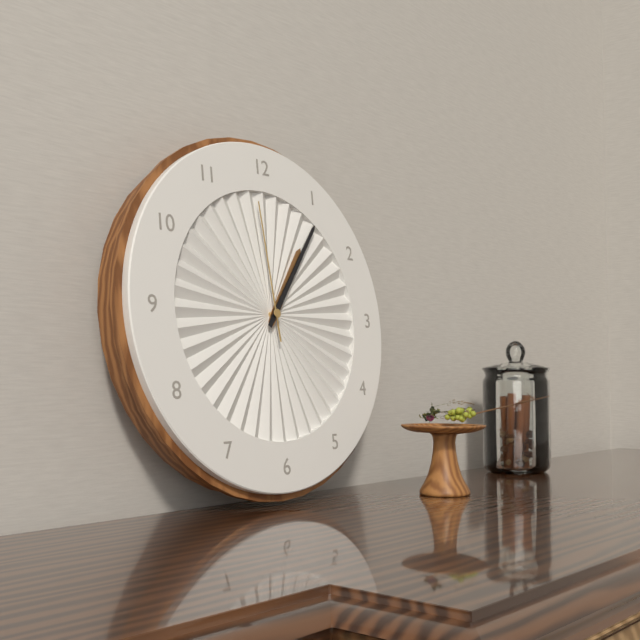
1:06:59
